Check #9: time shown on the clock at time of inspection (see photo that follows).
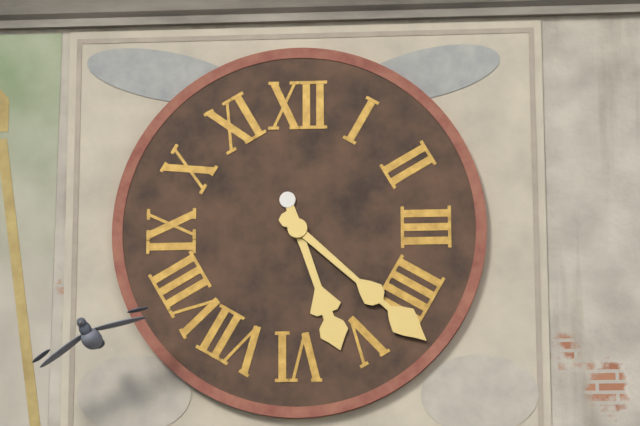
5:22
